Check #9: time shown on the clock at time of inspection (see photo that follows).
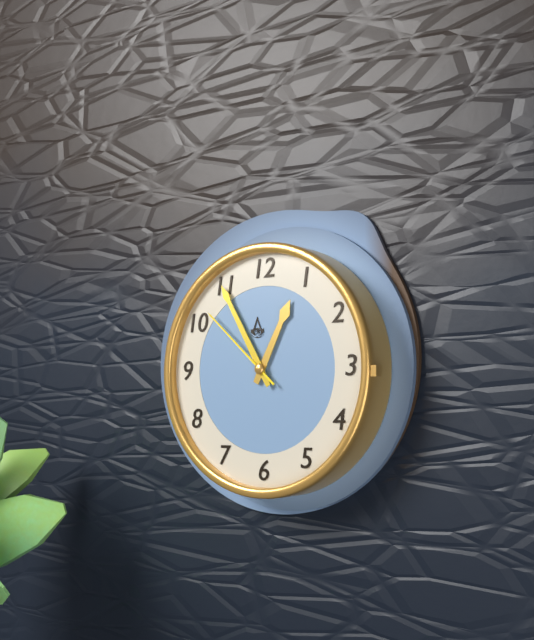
12:55:52
